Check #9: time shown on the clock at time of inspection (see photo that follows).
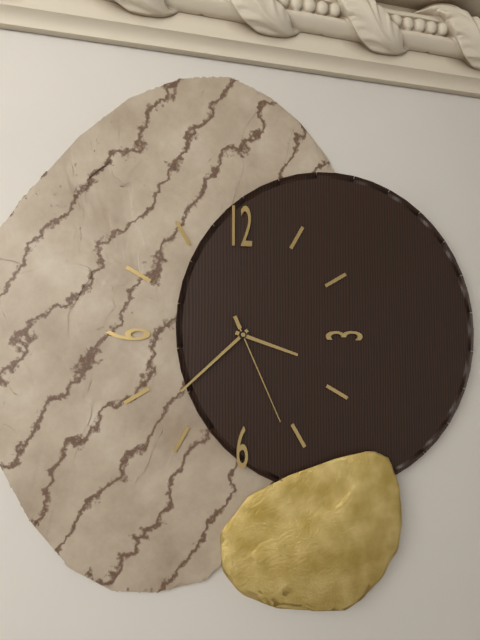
3:38:26
